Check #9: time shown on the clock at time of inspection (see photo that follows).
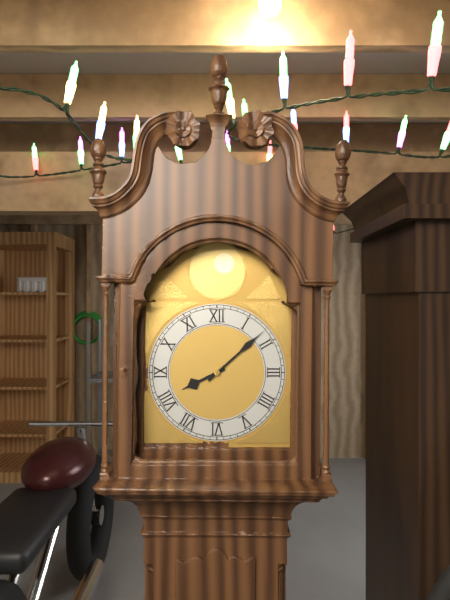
8:08
